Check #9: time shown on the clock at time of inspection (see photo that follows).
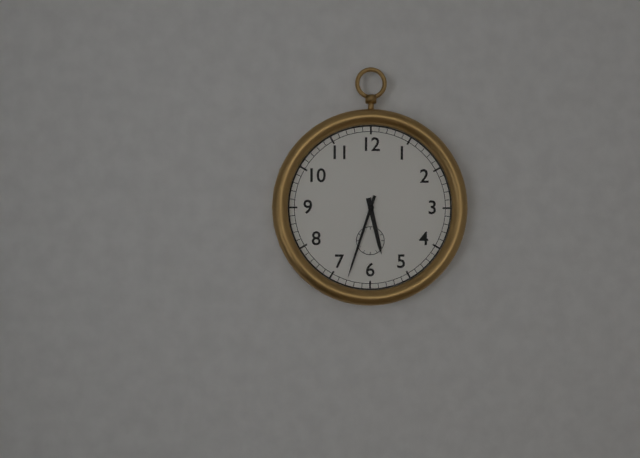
5:33
